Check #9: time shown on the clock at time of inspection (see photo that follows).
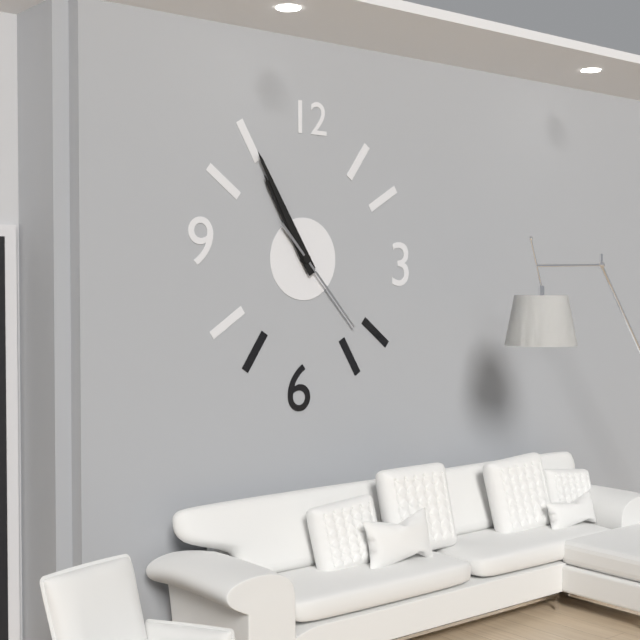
10:55:23
